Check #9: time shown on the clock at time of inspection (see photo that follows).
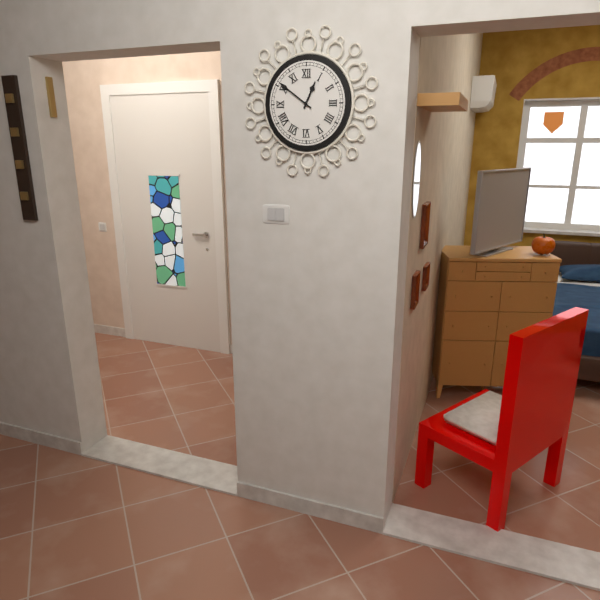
12:51
